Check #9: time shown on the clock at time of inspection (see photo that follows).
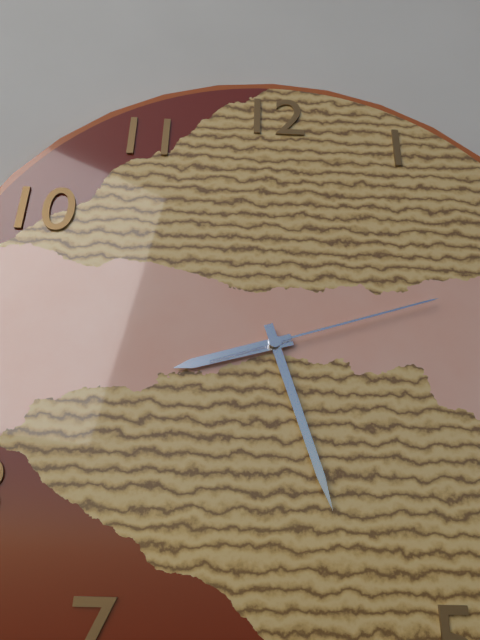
8:27:12
